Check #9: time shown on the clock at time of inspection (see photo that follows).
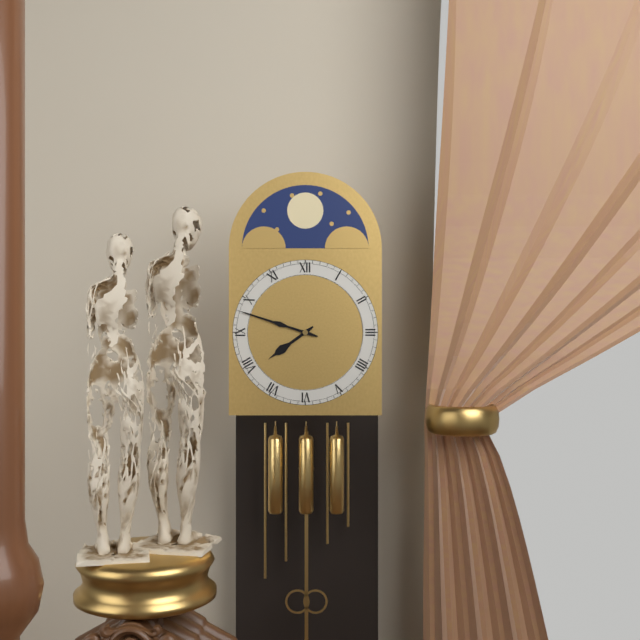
7:48
